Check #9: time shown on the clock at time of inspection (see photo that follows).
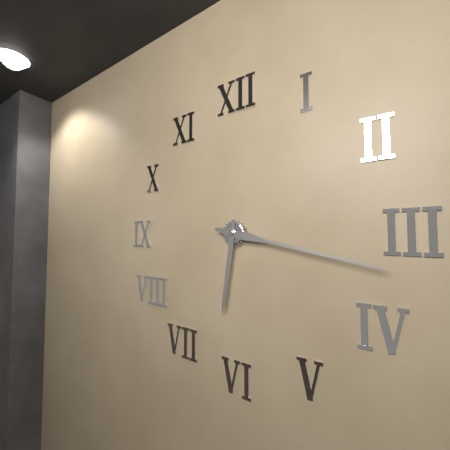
6:17
